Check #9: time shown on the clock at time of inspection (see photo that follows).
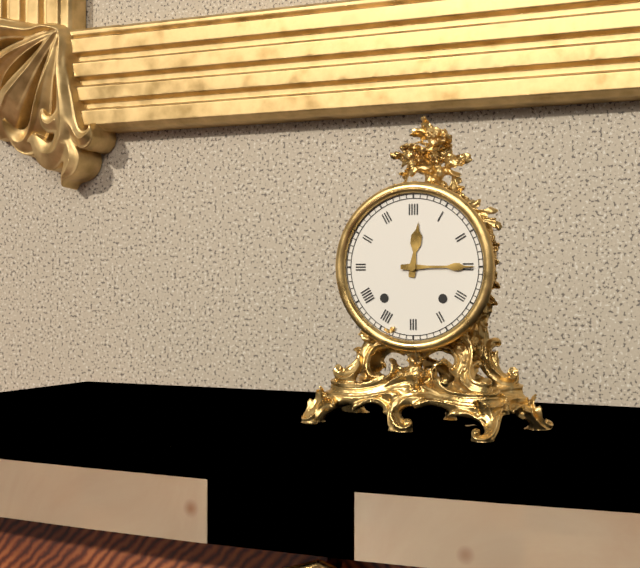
12:15
